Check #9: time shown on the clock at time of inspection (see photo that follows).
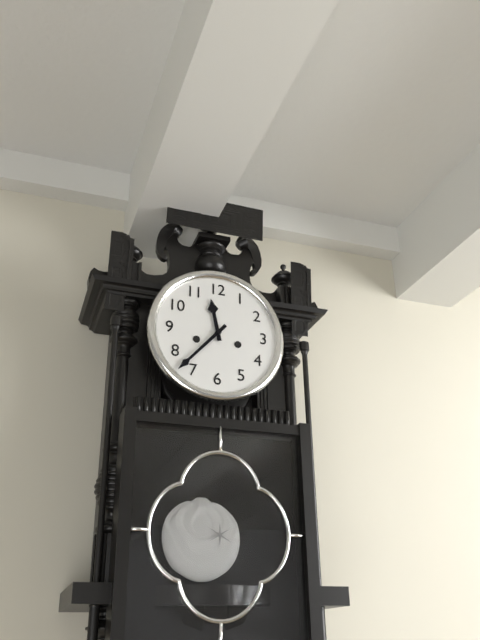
11:37
